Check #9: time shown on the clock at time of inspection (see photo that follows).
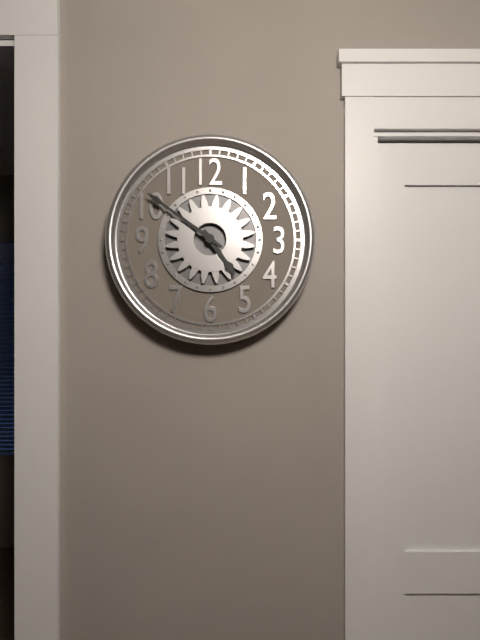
4:51
